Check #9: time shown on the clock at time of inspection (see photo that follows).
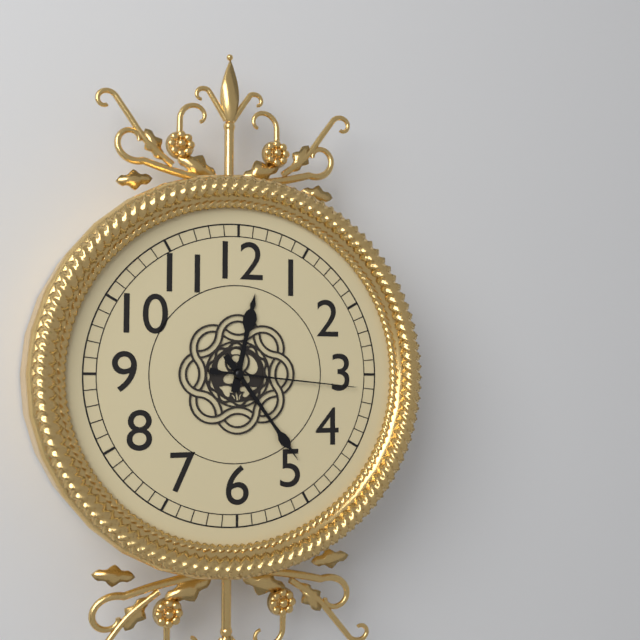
12:24:16
